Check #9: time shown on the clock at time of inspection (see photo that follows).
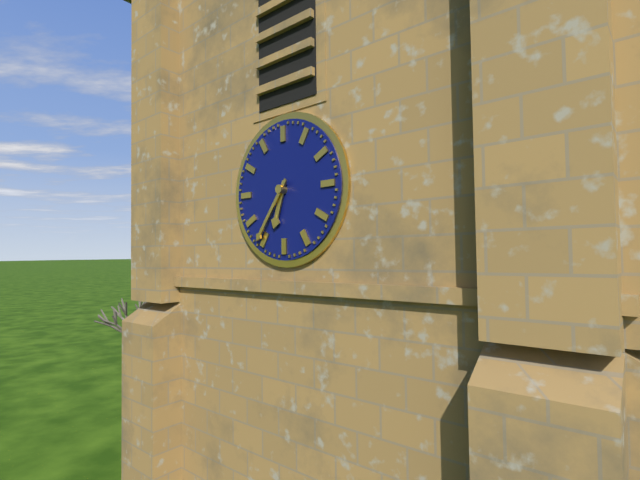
6:36
